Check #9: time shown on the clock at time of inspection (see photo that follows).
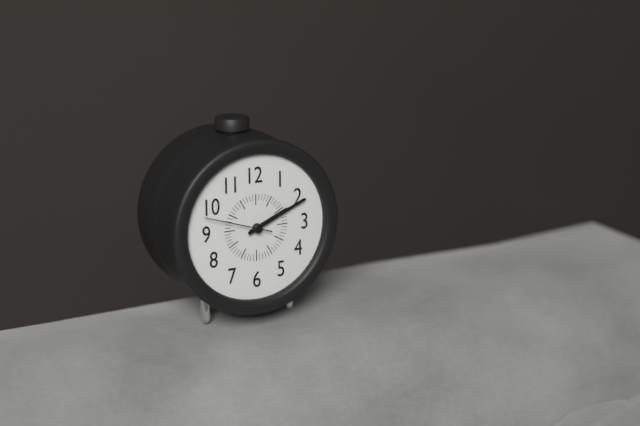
2:11:48
